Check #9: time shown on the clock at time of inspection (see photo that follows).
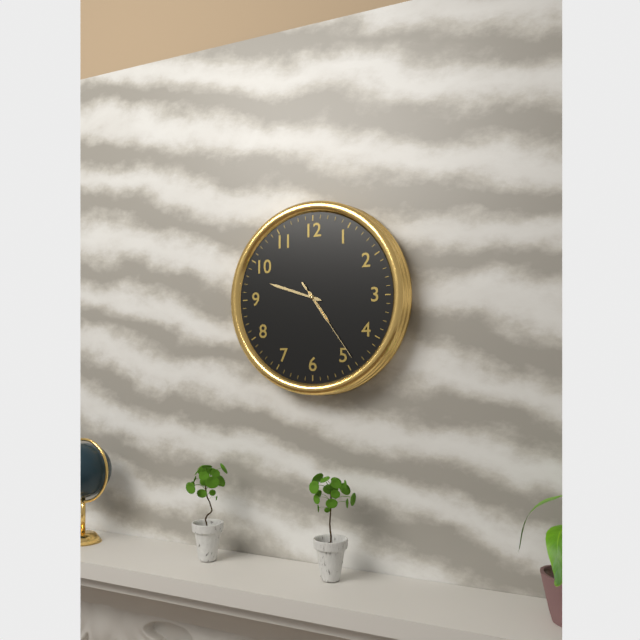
4:48:24
